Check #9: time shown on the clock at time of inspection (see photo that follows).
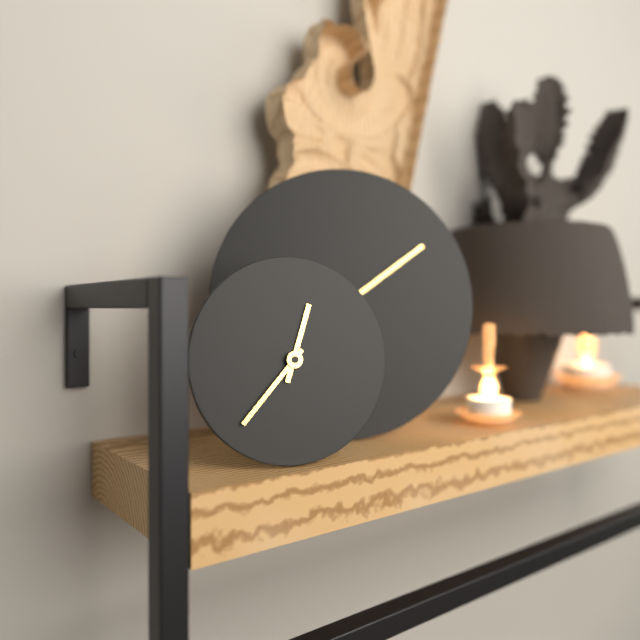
12:37
